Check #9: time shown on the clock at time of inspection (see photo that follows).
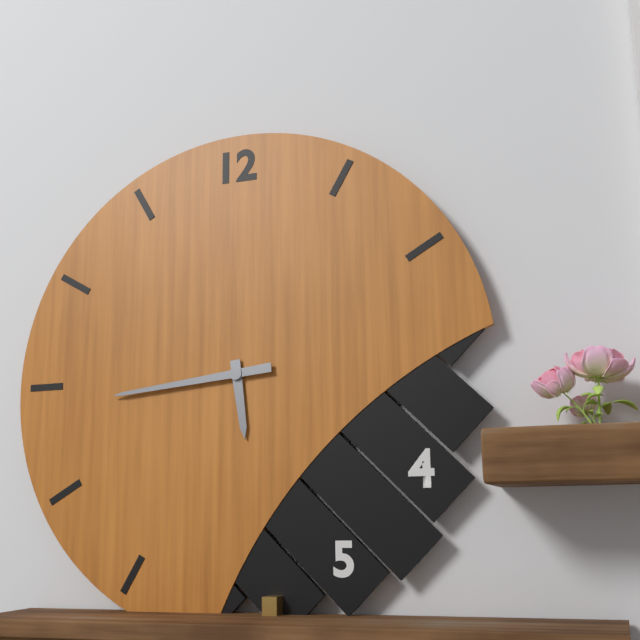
5:44
